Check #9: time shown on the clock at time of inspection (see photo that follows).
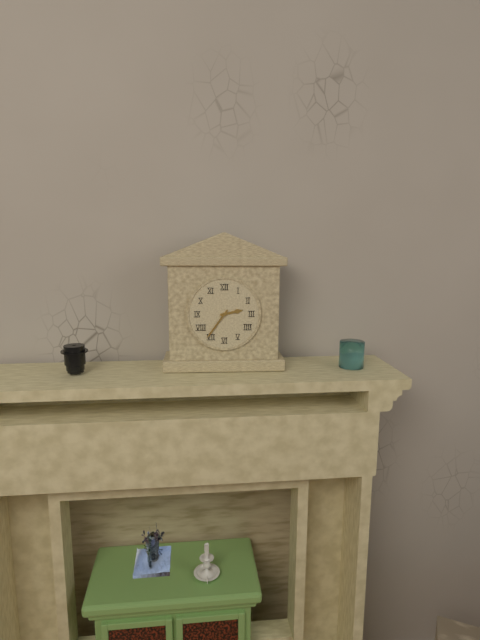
2:36
